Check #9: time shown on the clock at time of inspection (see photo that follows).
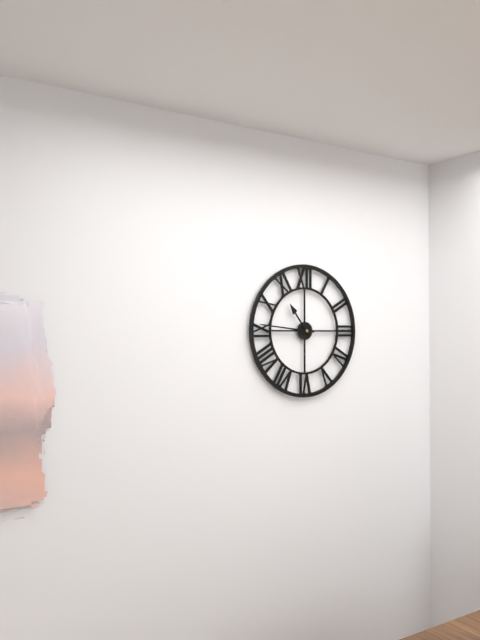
10:46
